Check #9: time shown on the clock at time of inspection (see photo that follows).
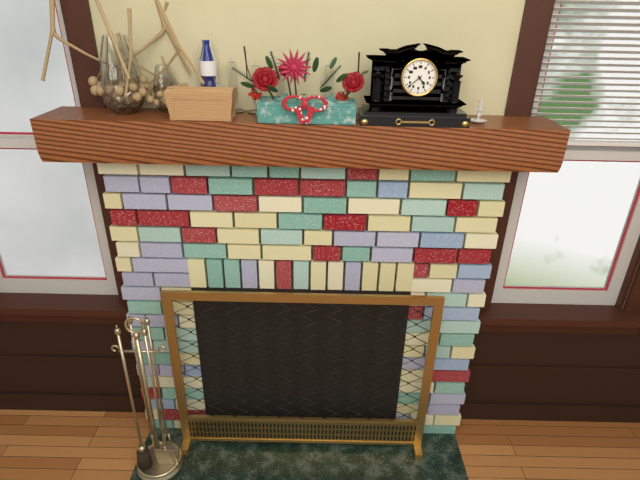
4:38
